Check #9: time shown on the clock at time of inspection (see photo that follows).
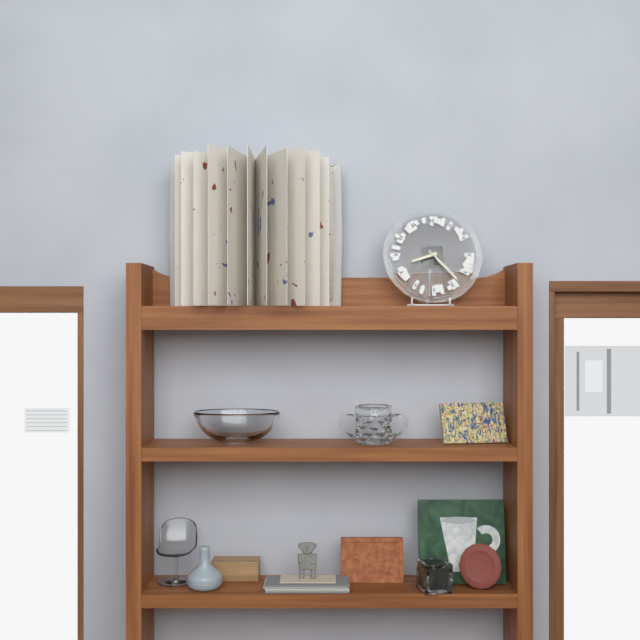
8:23
